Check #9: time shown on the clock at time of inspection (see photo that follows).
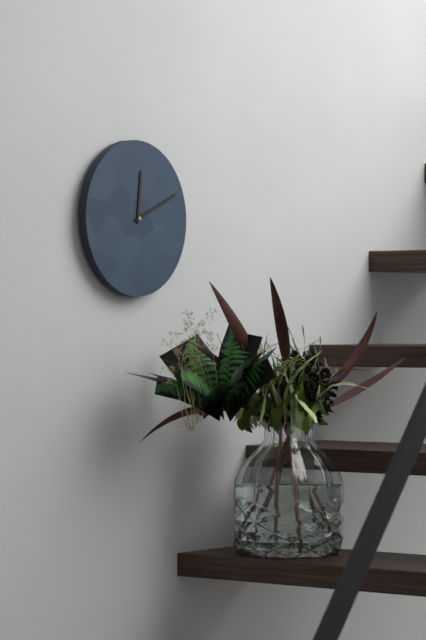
12:11
